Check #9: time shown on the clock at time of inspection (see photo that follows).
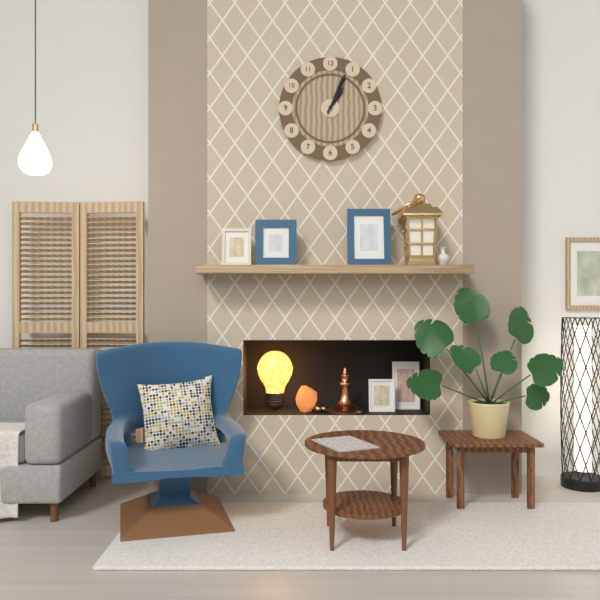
1:04
